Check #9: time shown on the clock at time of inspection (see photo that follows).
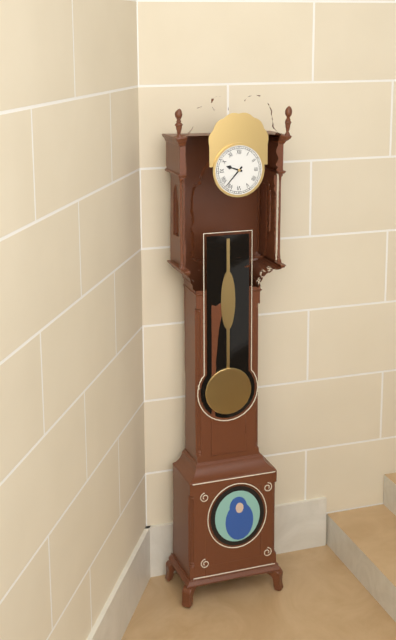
9:37
